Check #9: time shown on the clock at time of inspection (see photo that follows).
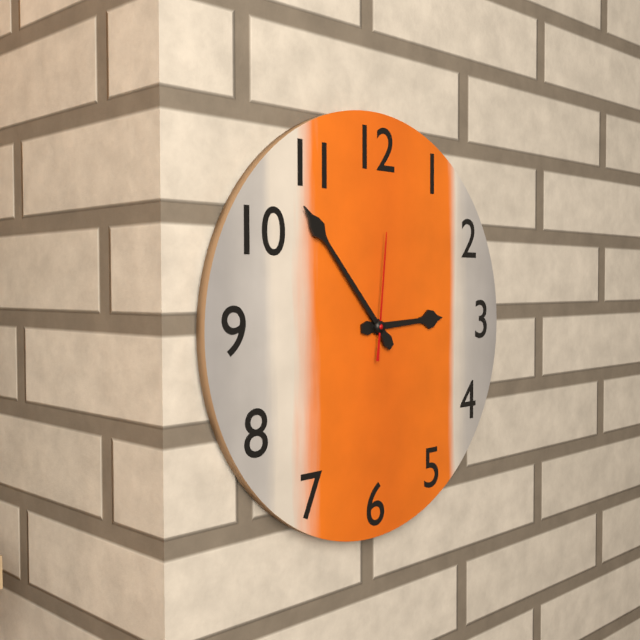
2:53:01
